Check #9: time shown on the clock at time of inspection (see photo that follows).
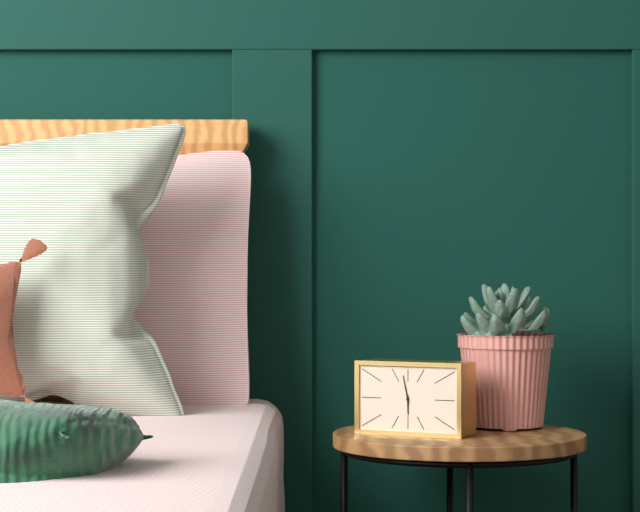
5:58
